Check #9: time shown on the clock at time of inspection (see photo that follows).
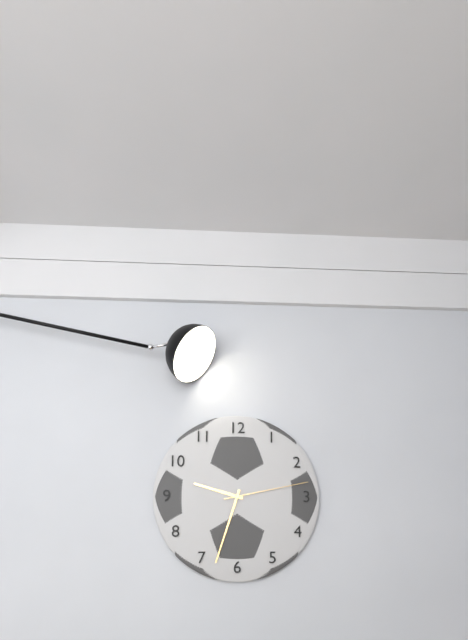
9:33:13
